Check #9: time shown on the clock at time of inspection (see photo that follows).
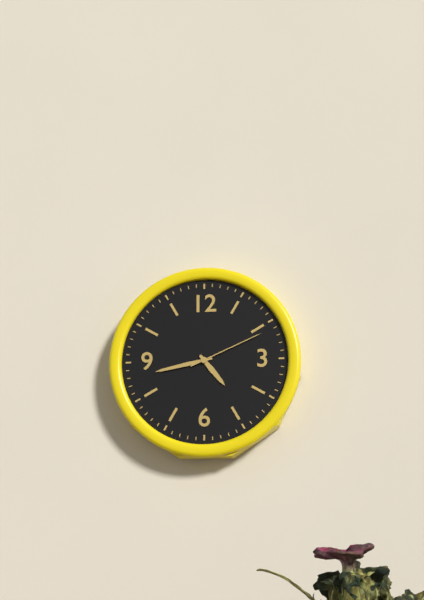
4:43:11
